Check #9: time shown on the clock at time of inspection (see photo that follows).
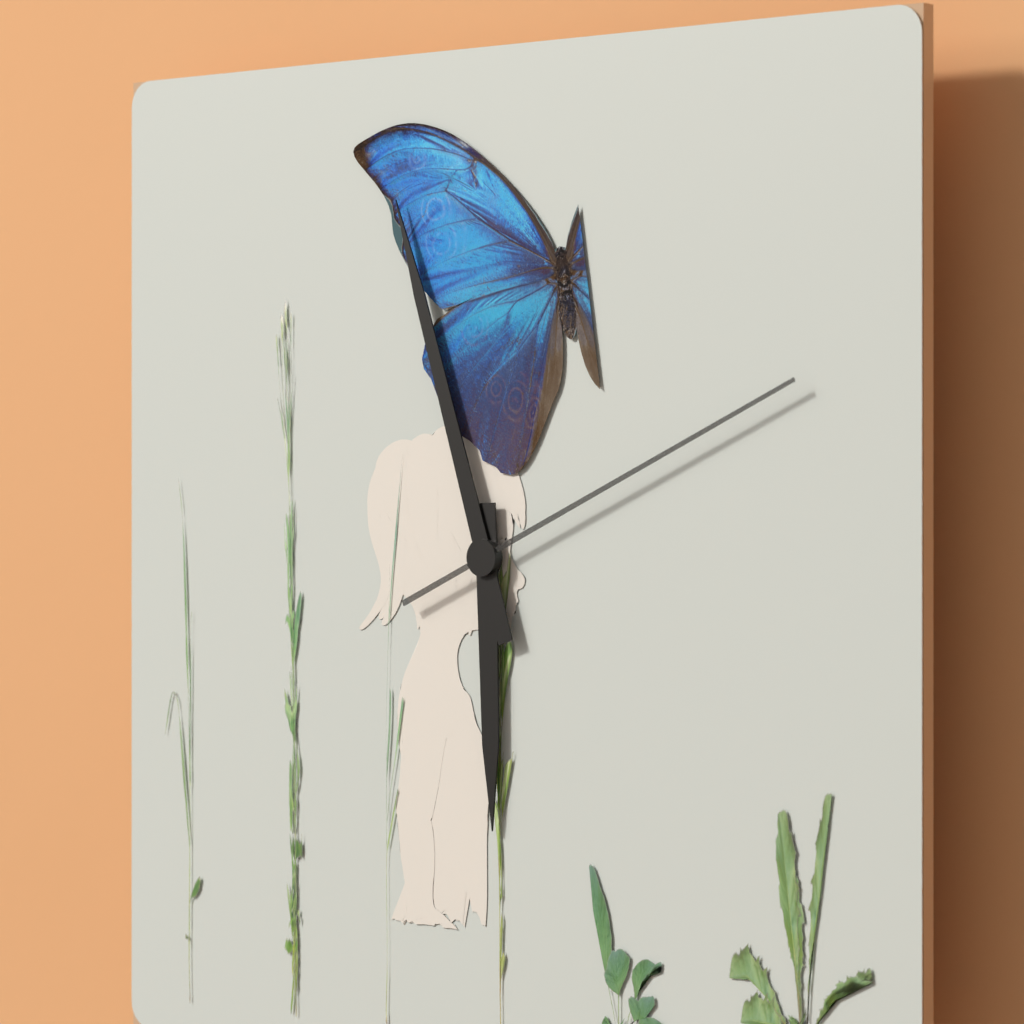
5:57:11
